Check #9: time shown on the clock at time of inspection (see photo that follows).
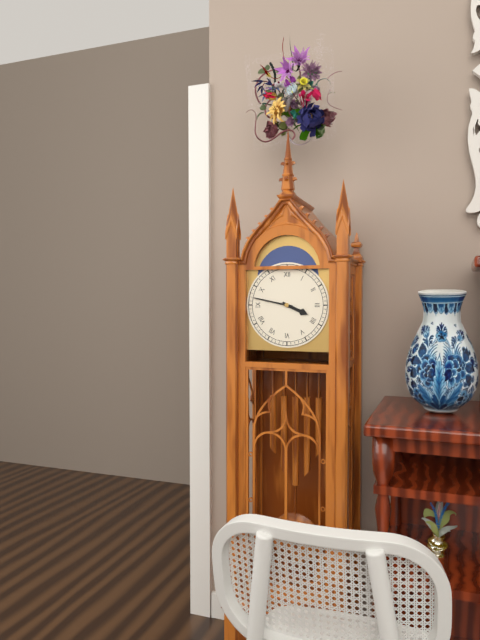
3:47
